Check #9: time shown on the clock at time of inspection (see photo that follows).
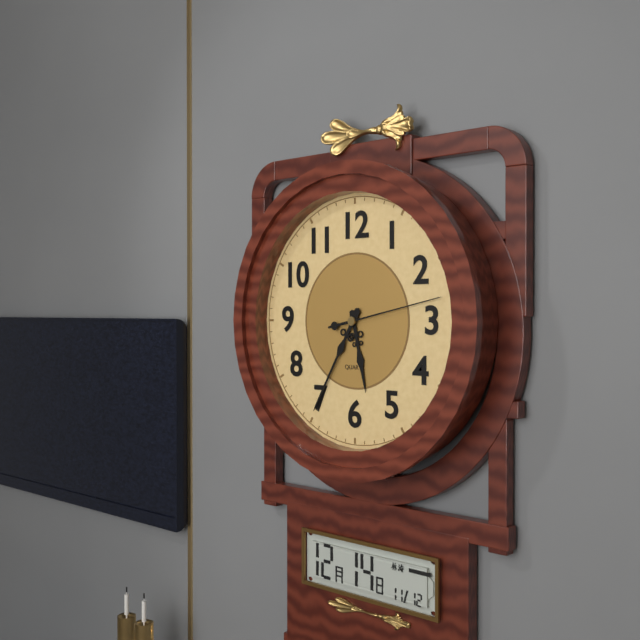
5:35:13
